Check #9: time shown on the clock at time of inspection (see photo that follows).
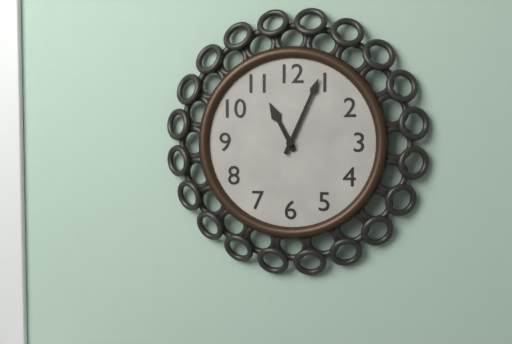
11:04
